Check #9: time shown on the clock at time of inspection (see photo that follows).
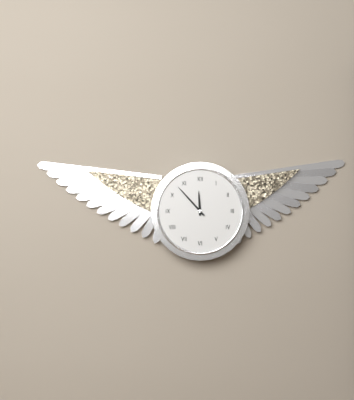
11:53
